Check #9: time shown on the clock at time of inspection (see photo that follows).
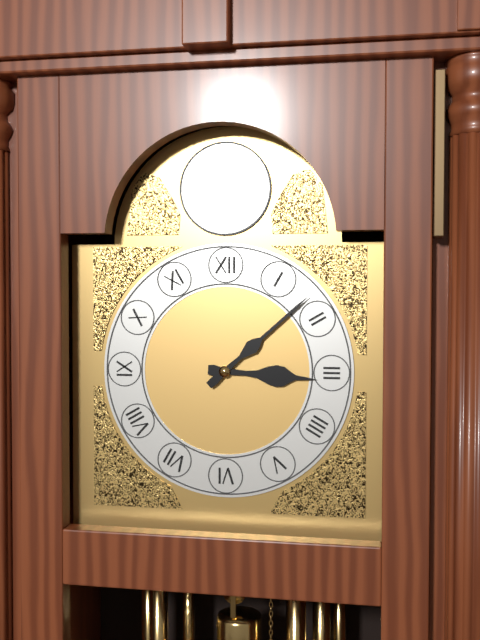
3:08
